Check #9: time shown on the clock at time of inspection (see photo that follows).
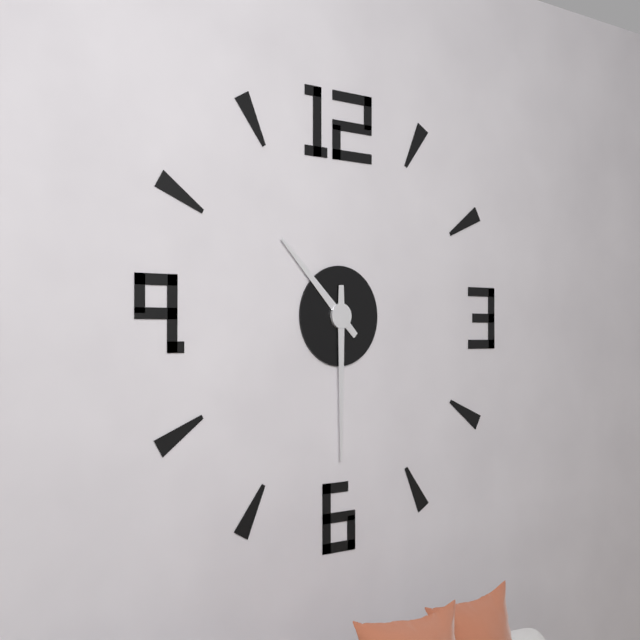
10:30
